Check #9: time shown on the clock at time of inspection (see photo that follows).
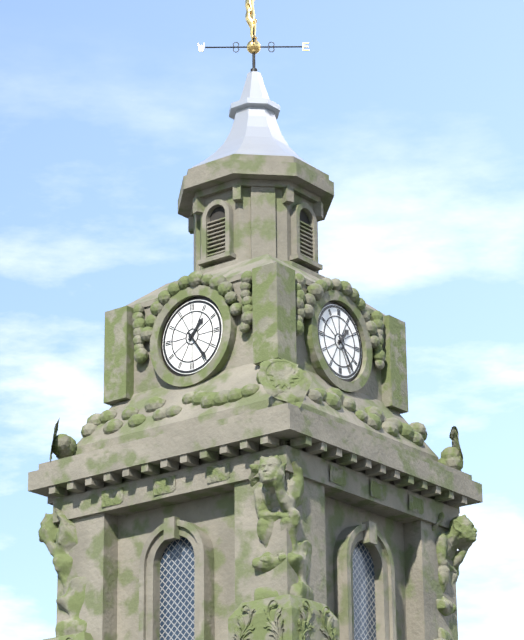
1:24
